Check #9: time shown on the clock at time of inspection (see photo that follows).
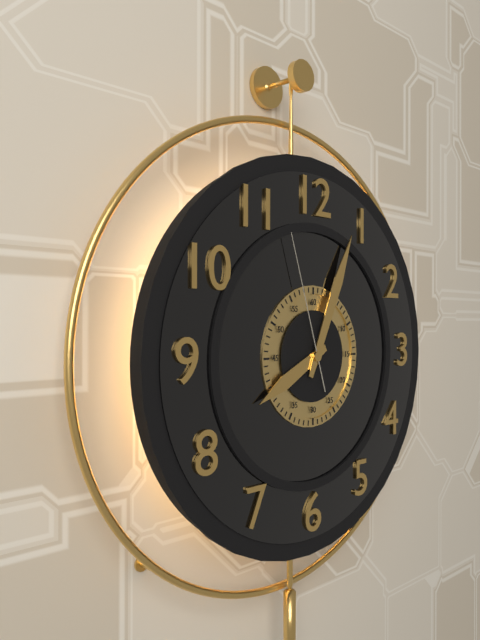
8:04:57
